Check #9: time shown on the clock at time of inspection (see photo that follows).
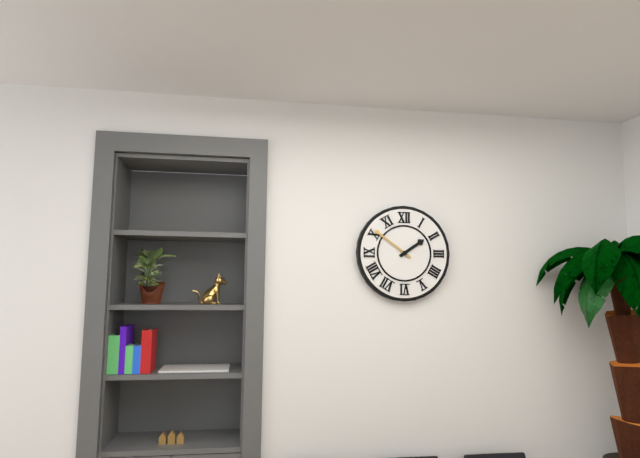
1:51
